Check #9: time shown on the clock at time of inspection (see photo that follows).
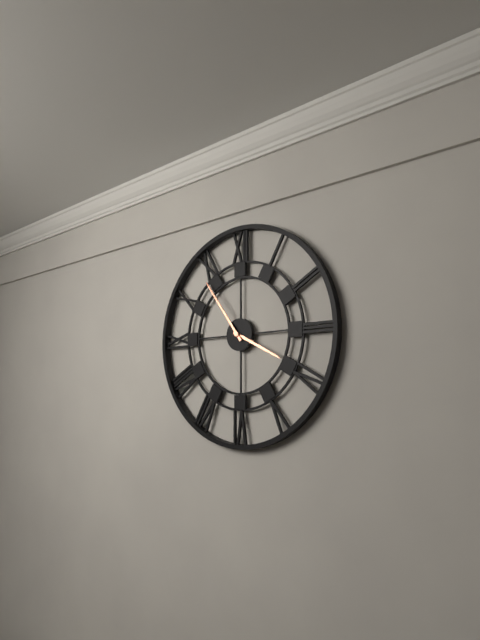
3:54
